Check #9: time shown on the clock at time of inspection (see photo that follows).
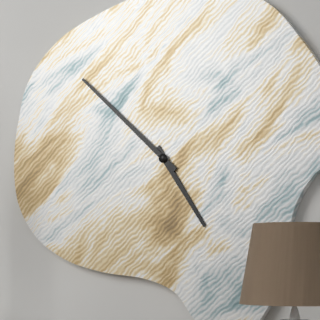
4:52
